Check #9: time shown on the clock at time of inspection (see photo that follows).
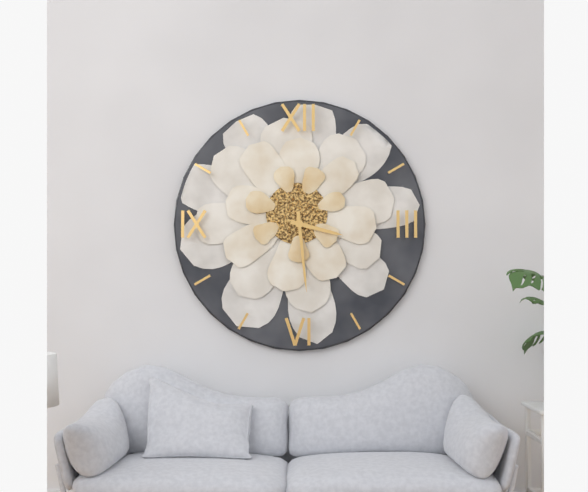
3:29
